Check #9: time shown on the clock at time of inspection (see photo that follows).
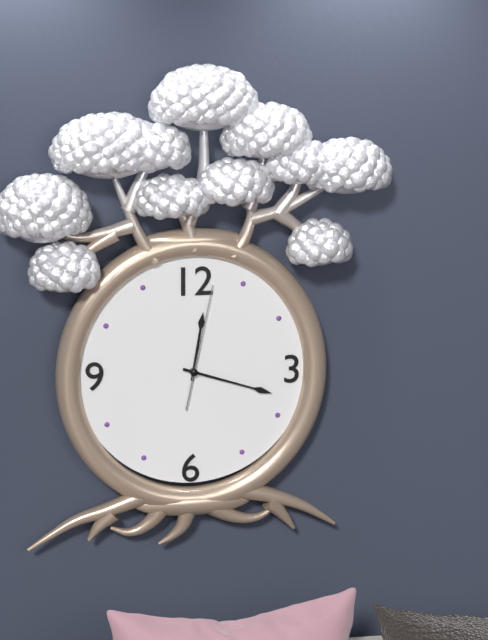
12:18:02
